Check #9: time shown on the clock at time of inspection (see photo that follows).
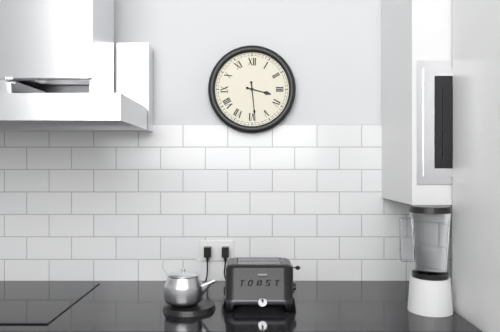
3:29
